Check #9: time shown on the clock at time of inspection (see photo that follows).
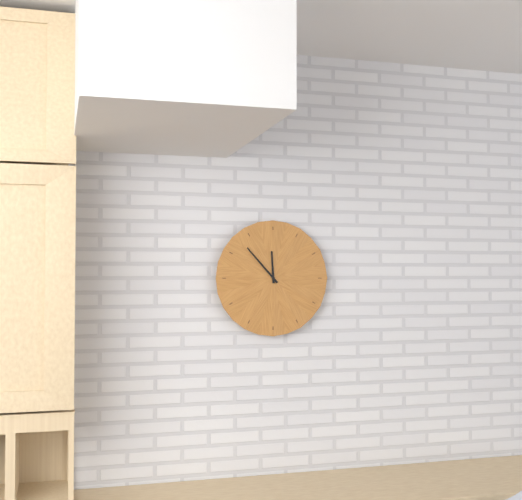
11:53
